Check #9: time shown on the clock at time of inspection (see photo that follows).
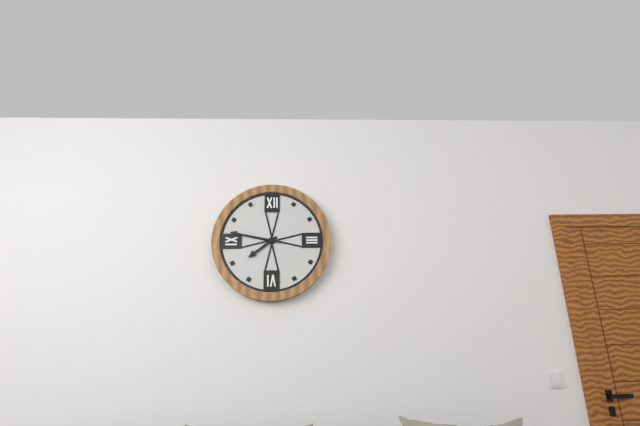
7:47
